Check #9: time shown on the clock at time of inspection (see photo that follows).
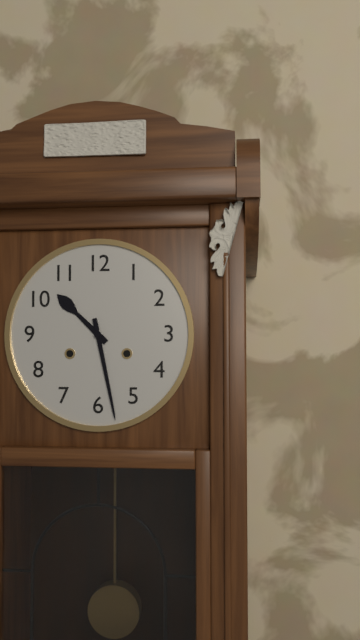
10:28
